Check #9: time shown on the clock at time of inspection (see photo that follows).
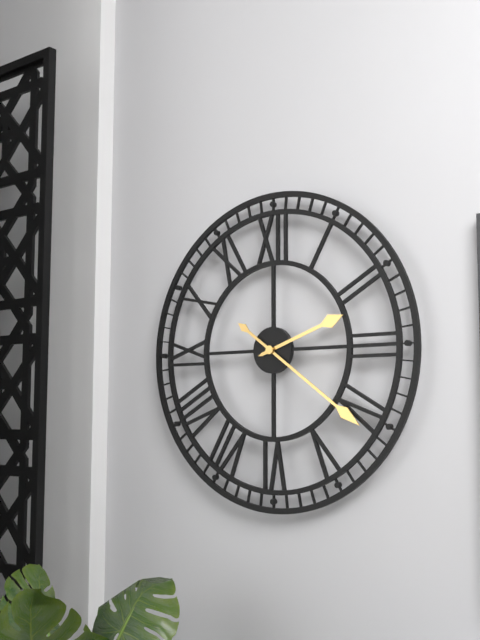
2:21
